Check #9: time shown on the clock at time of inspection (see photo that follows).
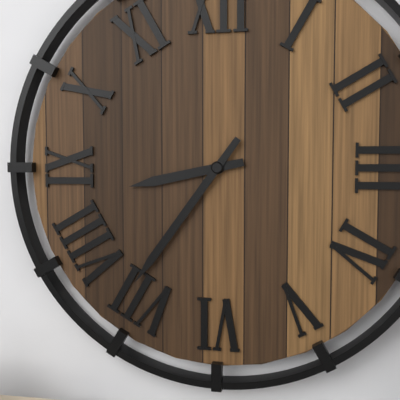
8:36
